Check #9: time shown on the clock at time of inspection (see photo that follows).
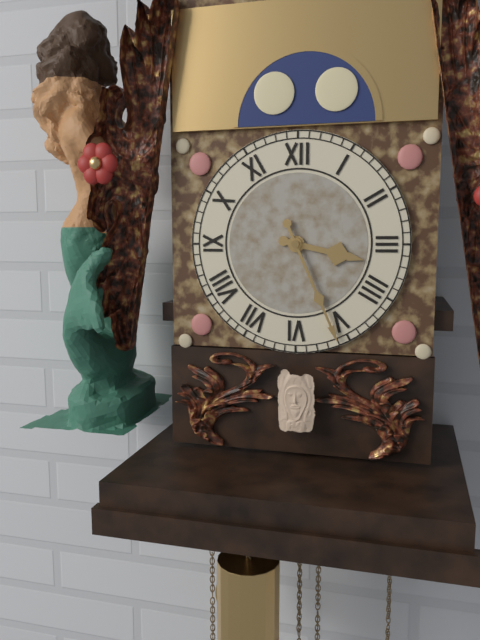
3:26
